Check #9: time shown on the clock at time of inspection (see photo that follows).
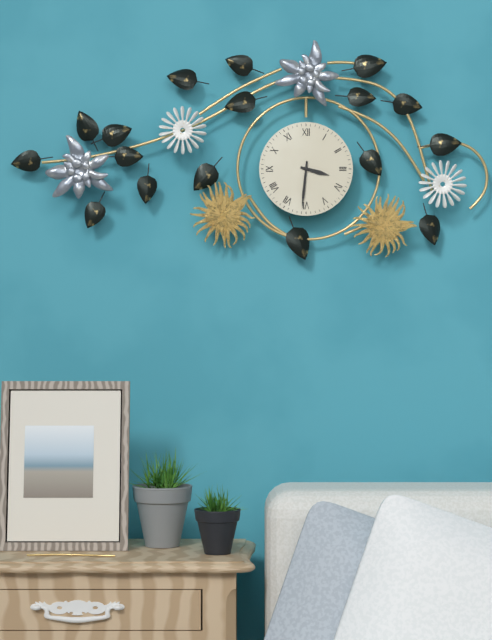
3:31
